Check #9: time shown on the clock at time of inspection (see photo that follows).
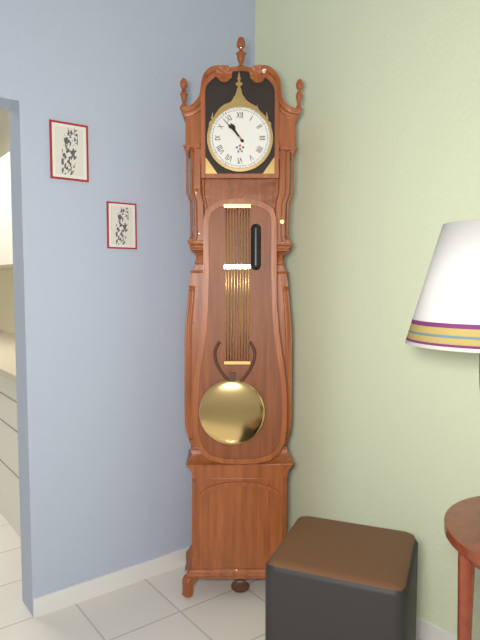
10:53
